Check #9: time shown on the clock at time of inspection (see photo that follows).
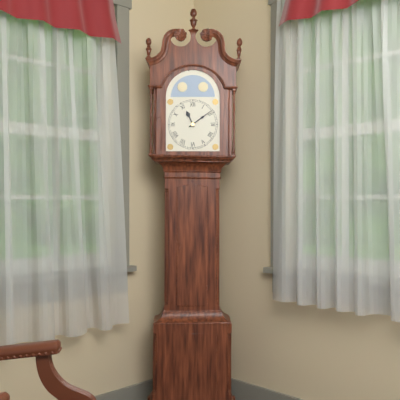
11:09
